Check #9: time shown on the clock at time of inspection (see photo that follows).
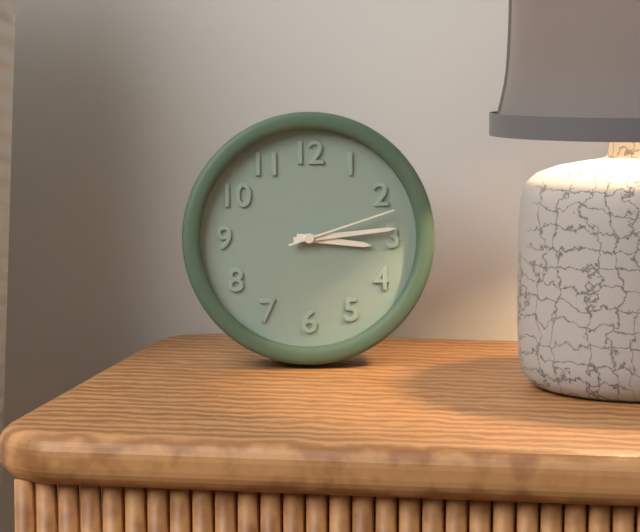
3:14:12
